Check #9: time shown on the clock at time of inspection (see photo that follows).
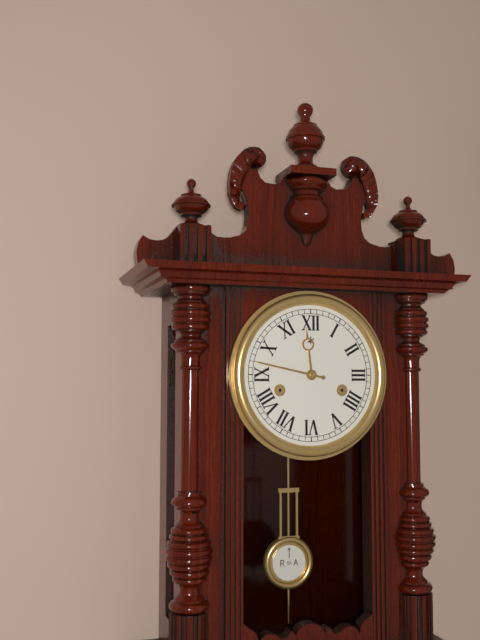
11:47
